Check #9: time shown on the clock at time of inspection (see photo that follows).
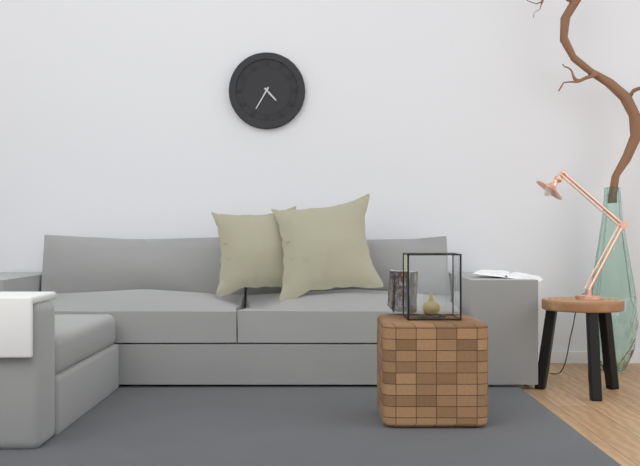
4:35
